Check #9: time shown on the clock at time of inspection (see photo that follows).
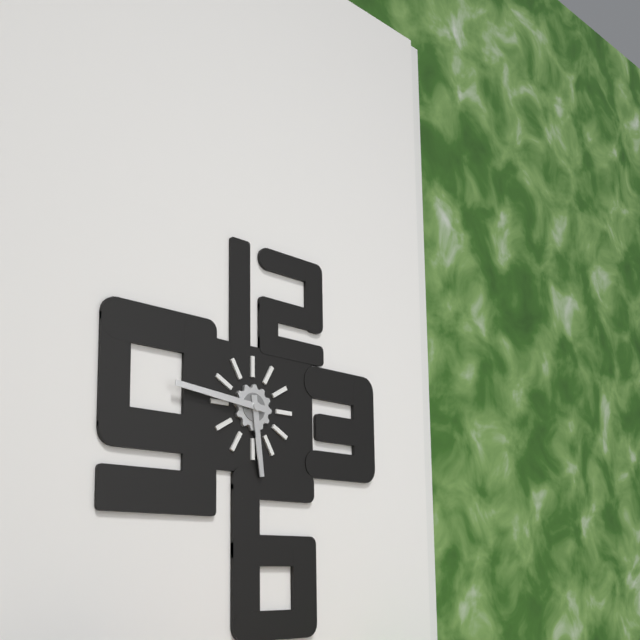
5:46
